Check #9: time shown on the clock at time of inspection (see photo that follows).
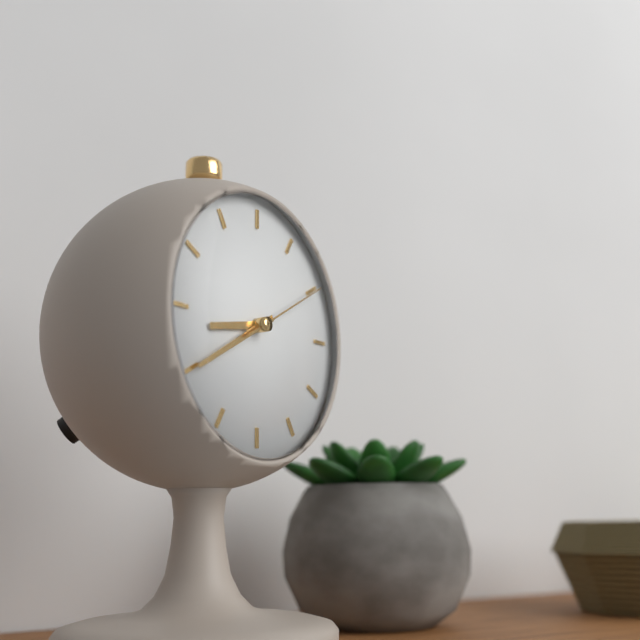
8:40:10
